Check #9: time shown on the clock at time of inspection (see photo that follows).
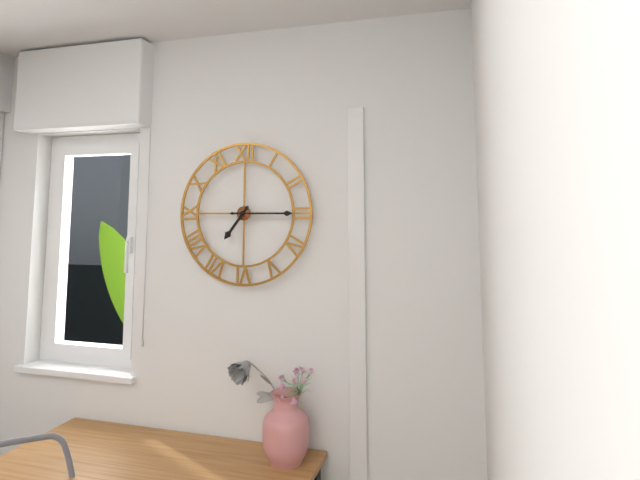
7:15
